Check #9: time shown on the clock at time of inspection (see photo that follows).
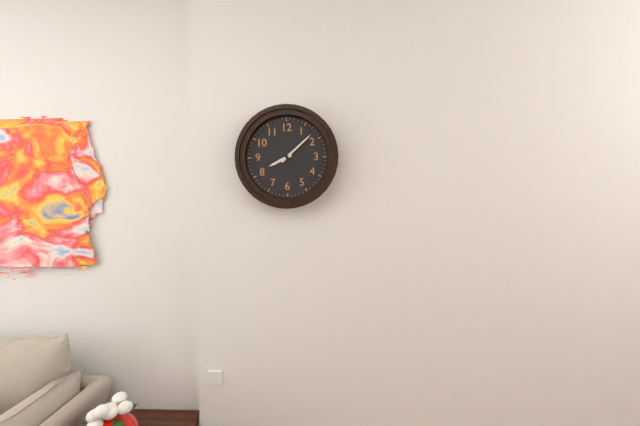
8:08
